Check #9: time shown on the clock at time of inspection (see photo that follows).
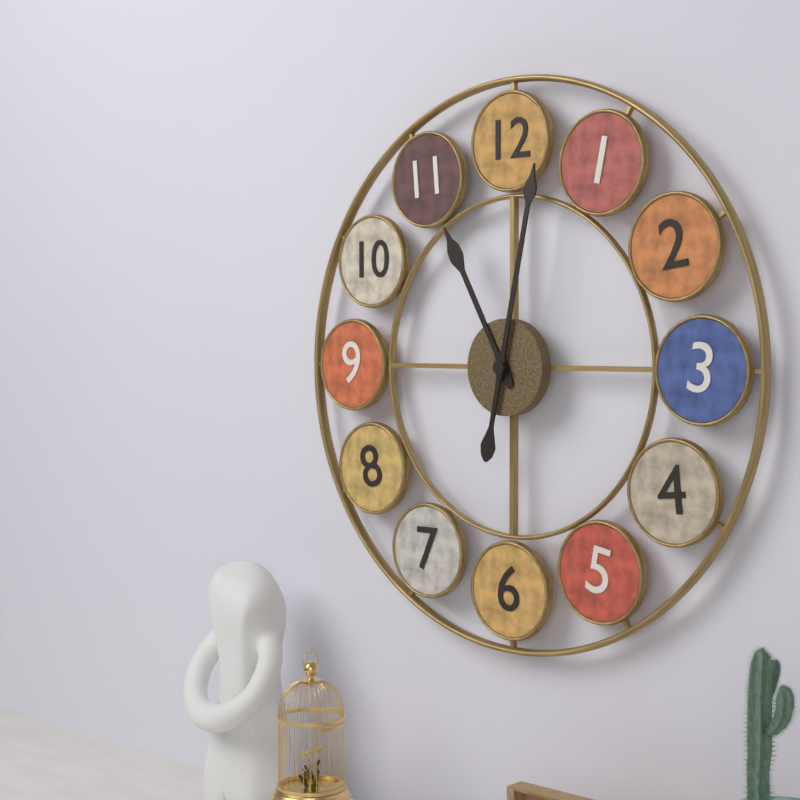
11:02
